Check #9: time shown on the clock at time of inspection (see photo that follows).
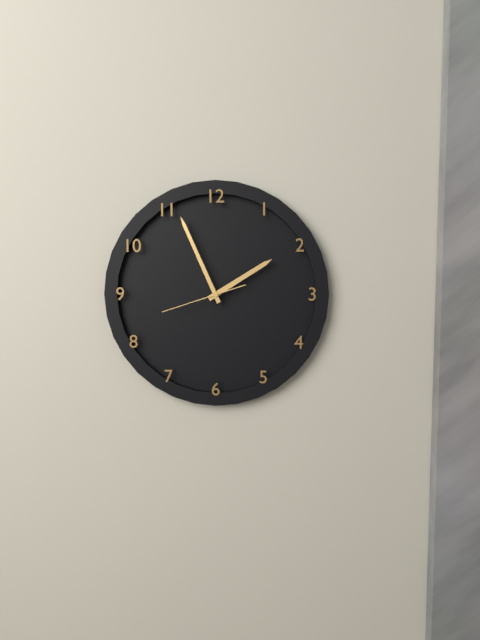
1:56:42
